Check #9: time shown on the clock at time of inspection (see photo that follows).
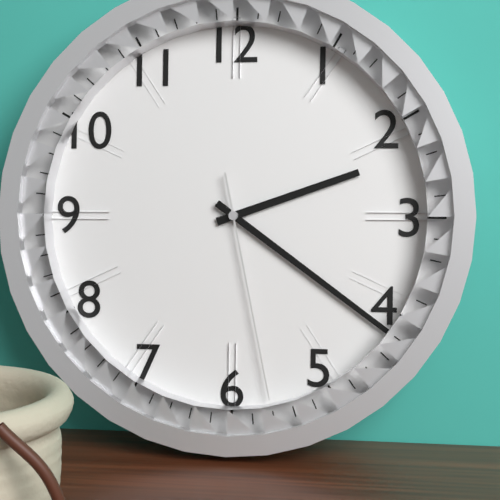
2:21:28
